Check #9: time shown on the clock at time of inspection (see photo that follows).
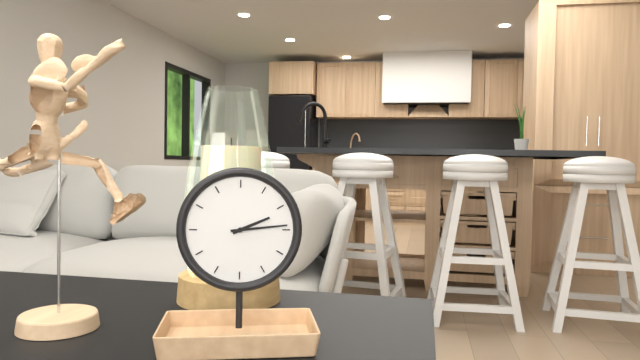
2:14
